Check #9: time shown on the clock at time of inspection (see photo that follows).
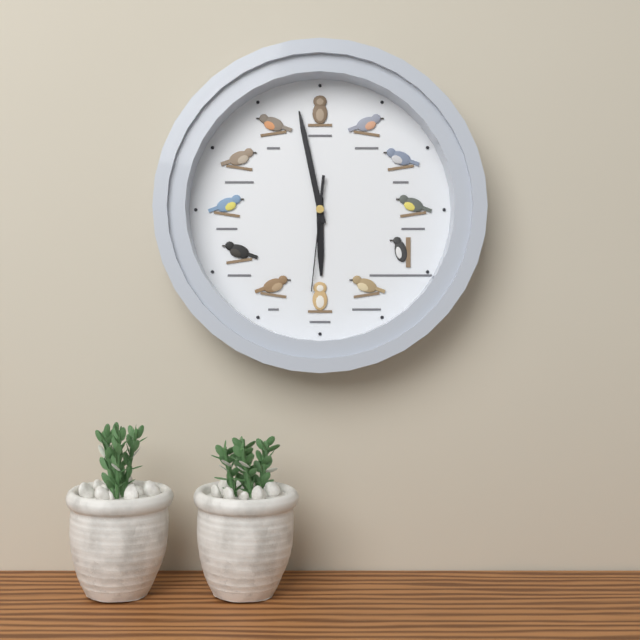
5:58:31
